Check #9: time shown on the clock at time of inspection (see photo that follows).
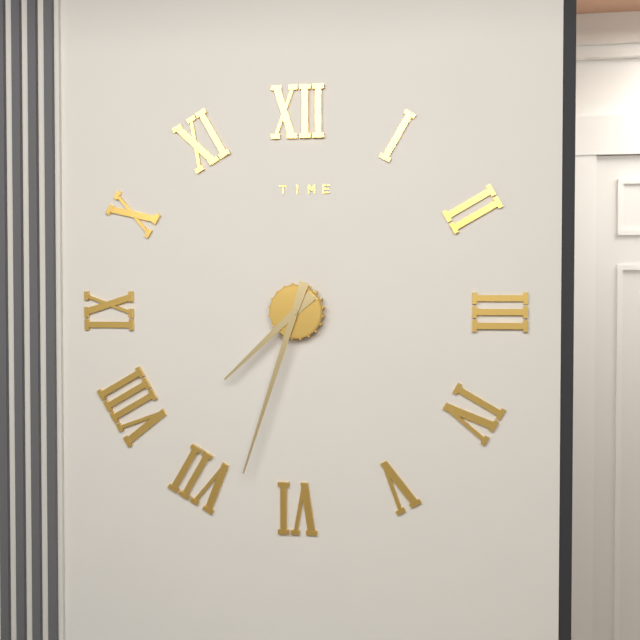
7:33
